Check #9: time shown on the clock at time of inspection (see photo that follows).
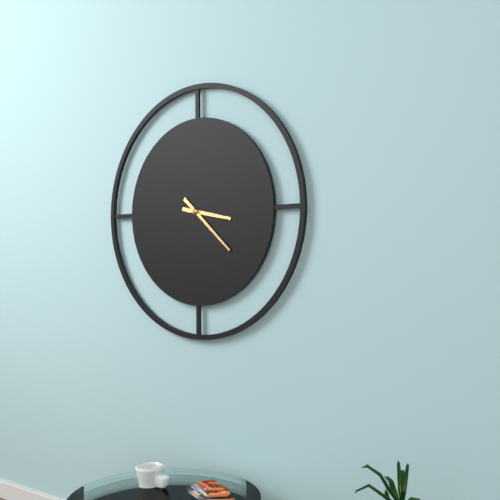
3:22
